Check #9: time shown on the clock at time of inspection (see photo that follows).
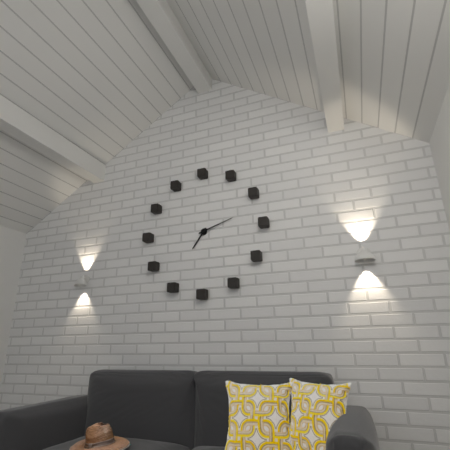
7:12
